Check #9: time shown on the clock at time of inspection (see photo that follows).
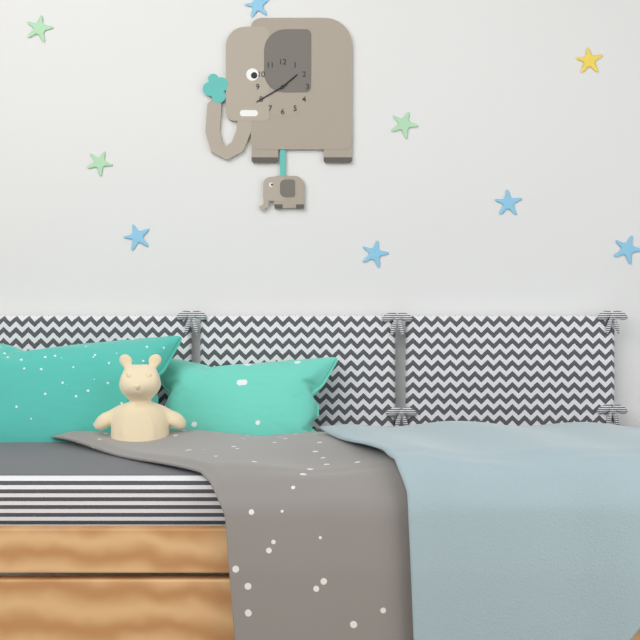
1:40
